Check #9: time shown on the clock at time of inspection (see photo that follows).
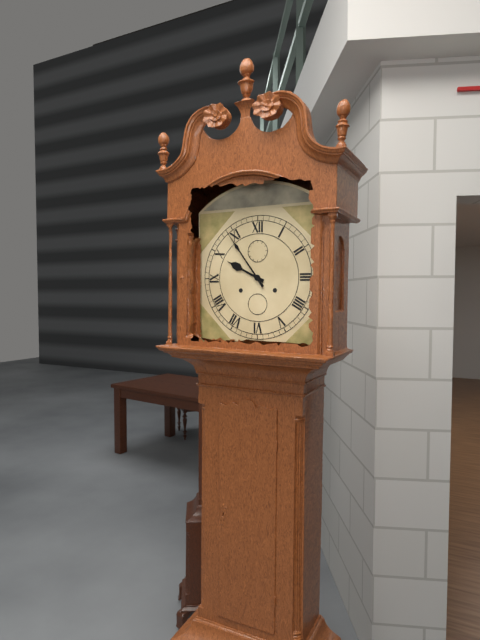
9:54
